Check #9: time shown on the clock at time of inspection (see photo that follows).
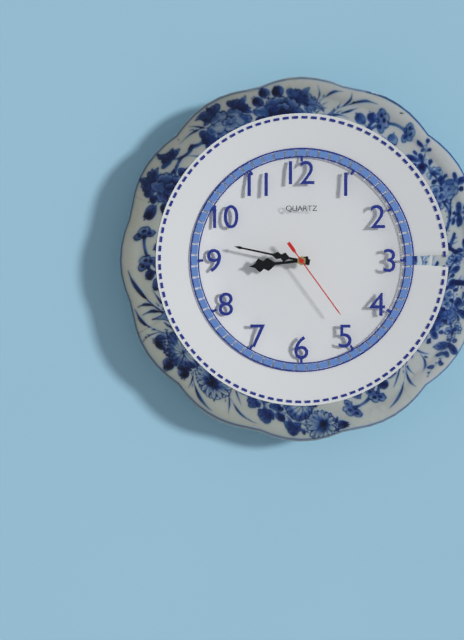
8:47:24
